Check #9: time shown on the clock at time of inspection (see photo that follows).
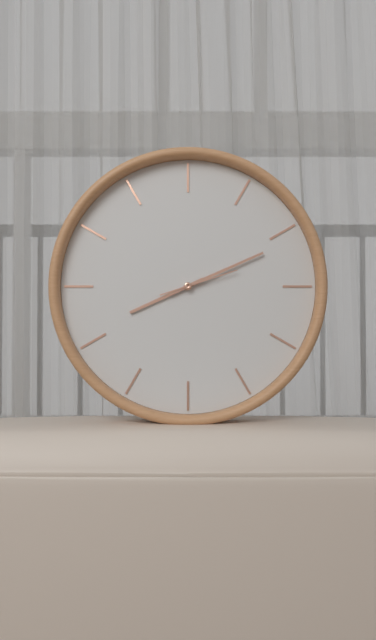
8:11:12
